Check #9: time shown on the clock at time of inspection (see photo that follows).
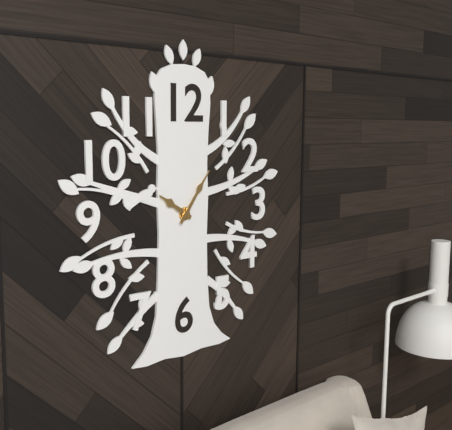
10:06
